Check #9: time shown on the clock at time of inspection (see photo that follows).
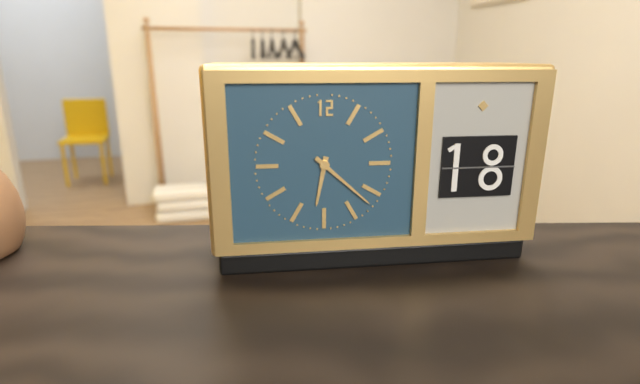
6:22
